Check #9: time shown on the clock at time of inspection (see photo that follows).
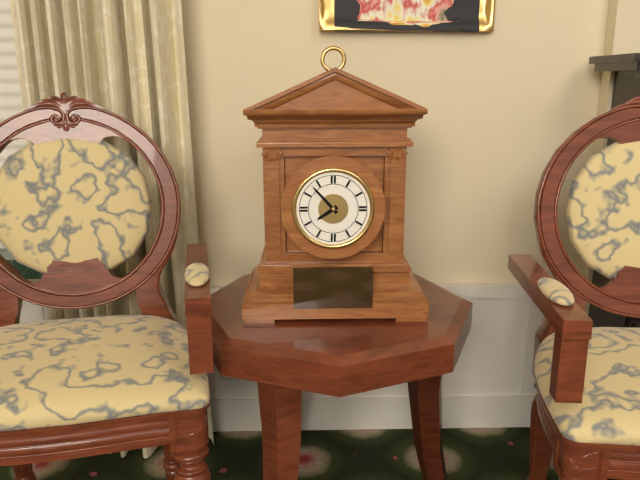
7:53
